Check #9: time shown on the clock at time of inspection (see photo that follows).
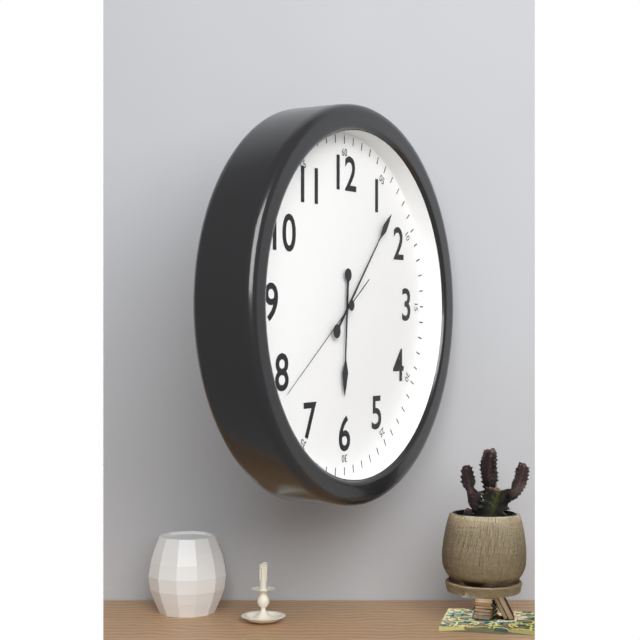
6:07:39
